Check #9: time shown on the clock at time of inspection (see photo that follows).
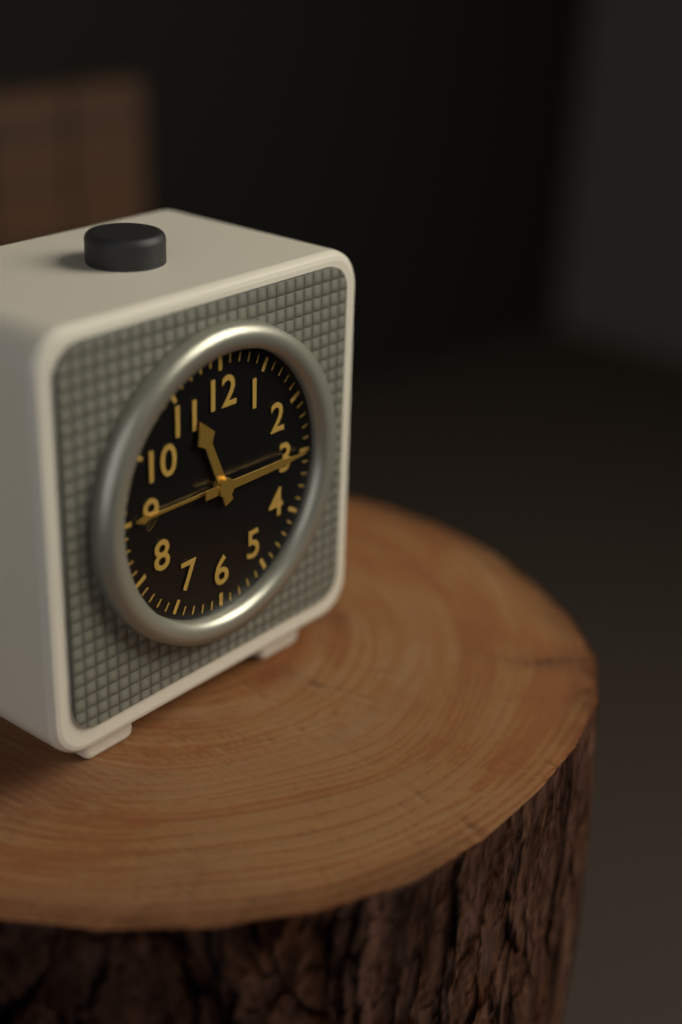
11:15
